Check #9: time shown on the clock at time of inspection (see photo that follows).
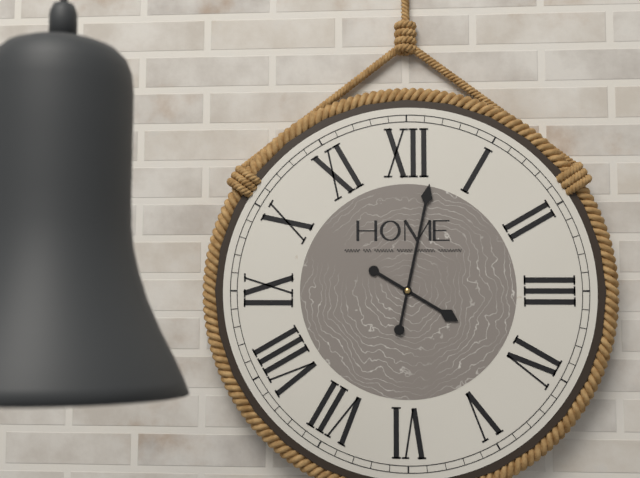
4:02
